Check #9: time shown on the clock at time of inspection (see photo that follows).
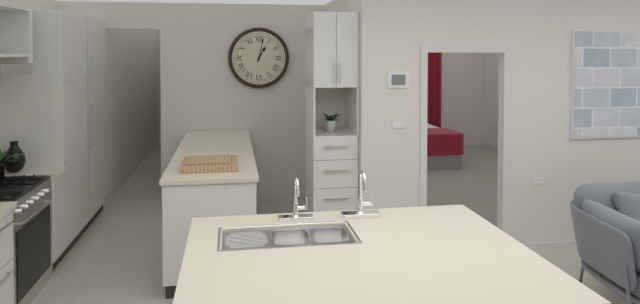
1:02
